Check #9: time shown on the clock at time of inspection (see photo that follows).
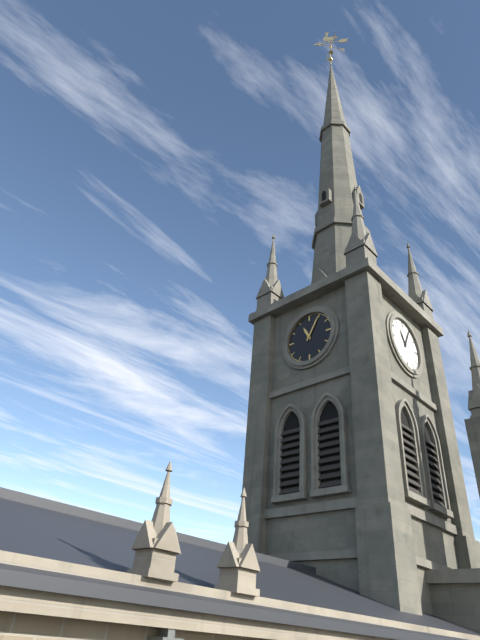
11:05
